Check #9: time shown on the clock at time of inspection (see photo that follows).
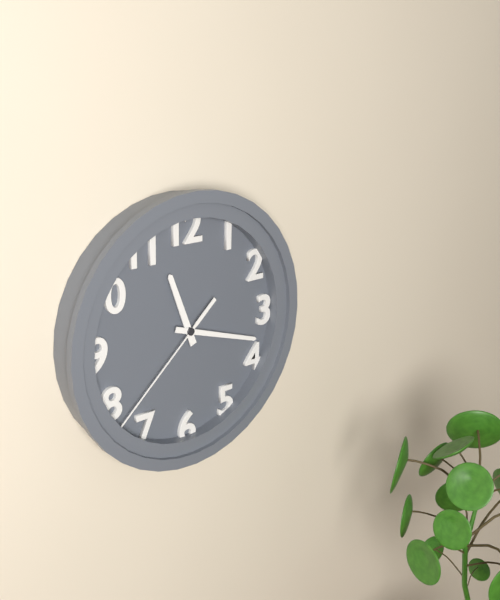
11:18:38
